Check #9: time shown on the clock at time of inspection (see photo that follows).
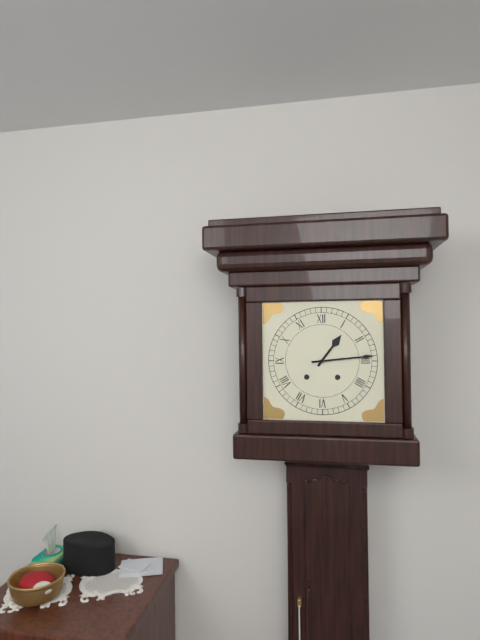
1:14
